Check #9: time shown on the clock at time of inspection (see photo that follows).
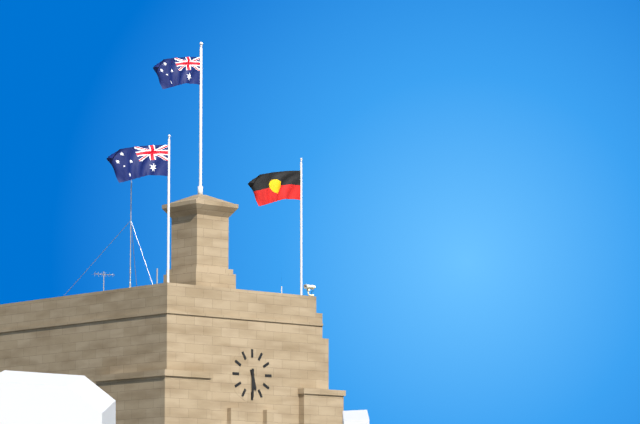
5:30
